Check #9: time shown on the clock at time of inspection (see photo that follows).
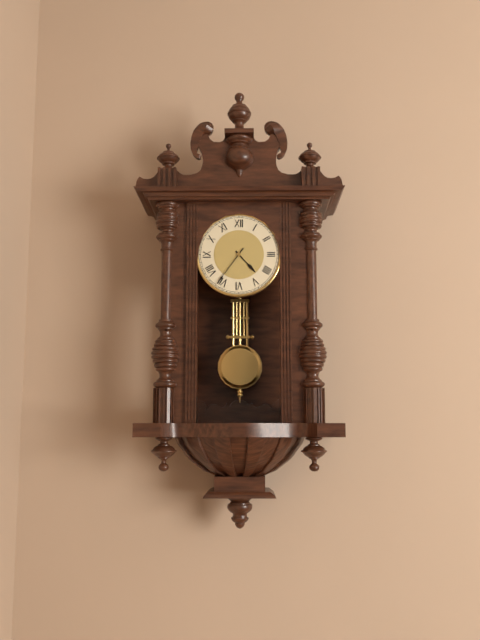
4:36
